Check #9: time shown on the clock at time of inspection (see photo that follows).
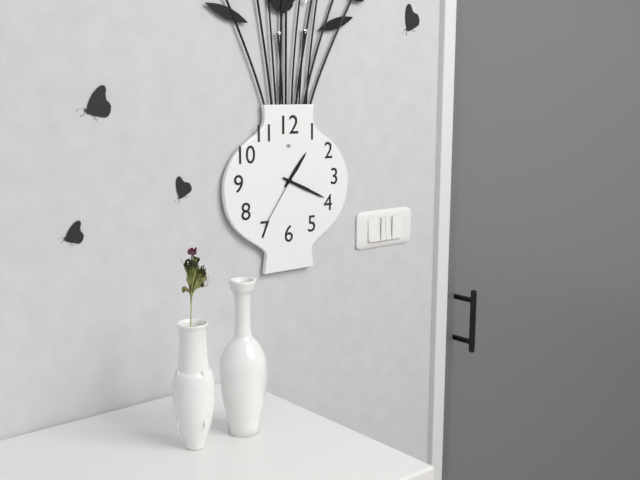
1:19:36
